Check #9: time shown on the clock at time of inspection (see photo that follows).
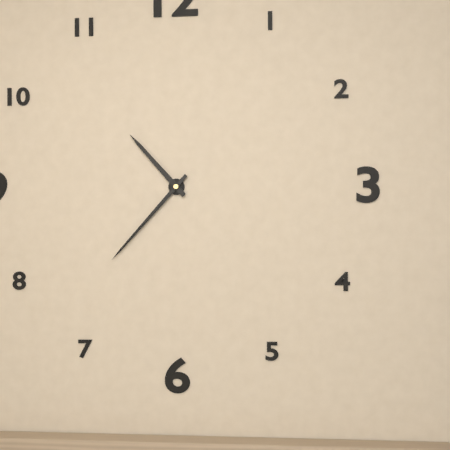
10:37
